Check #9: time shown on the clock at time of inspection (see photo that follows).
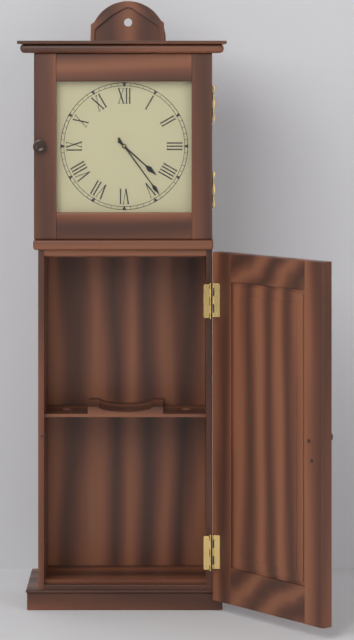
4:24
